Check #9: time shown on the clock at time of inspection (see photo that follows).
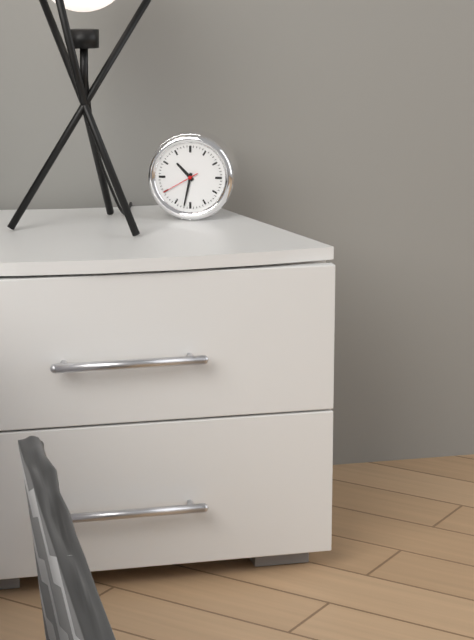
10:32
